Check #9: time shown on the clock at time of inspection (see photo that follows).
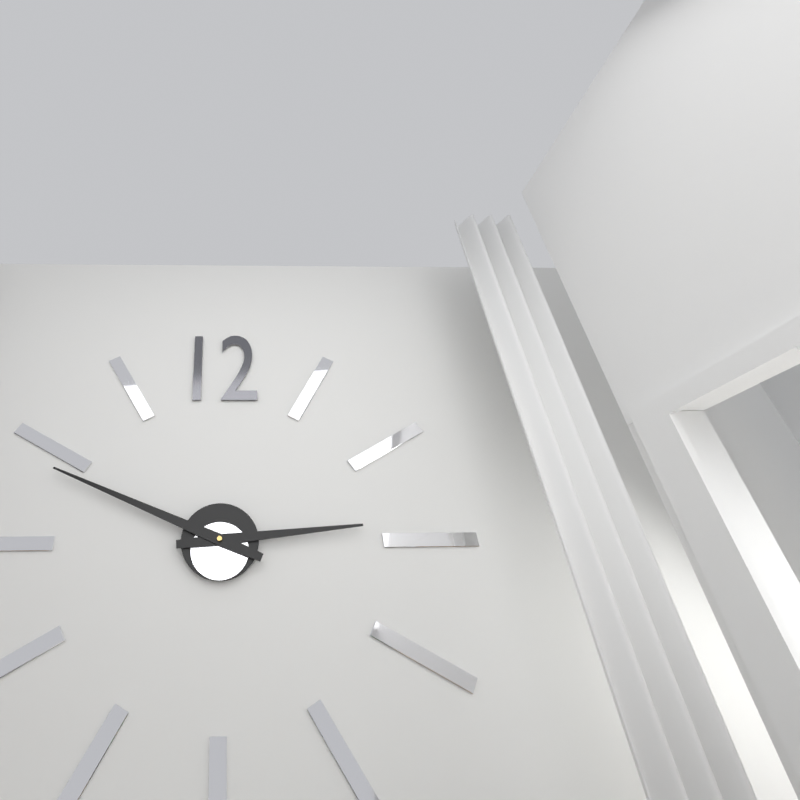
2:49
